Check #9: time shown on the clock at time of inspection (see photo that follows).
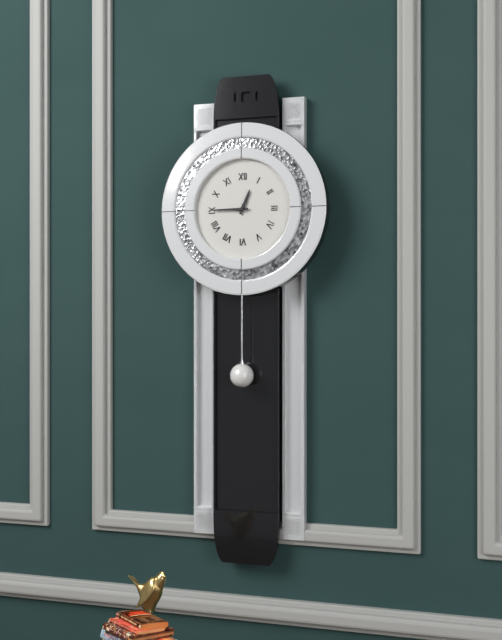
12:45
